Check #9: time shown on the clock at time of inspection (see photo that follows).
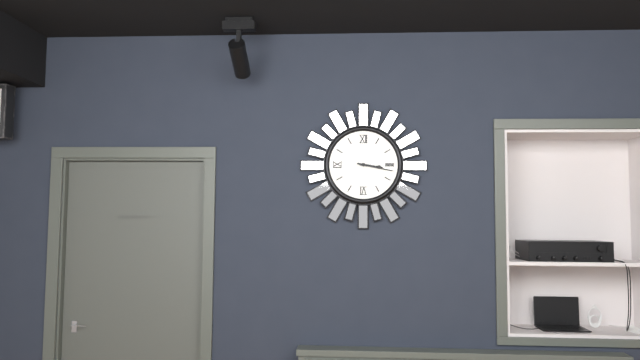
3:17
